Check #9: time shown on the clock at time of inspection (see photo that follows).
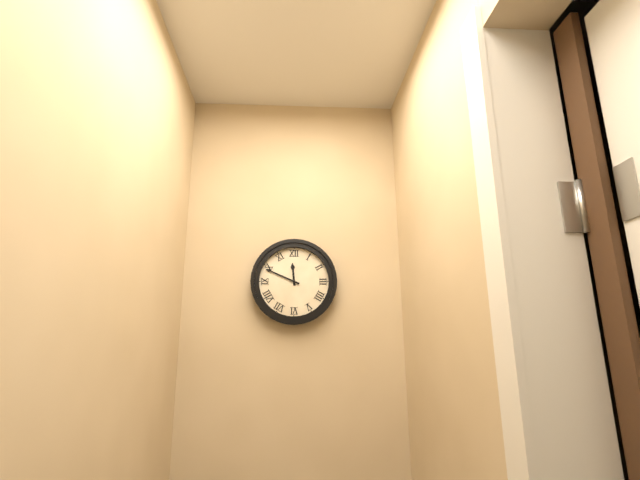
11:49
